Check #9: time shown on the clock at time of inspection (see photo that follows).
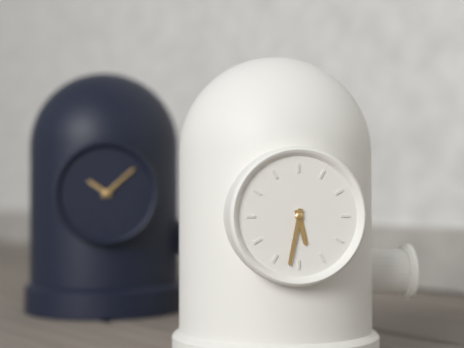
5:32
